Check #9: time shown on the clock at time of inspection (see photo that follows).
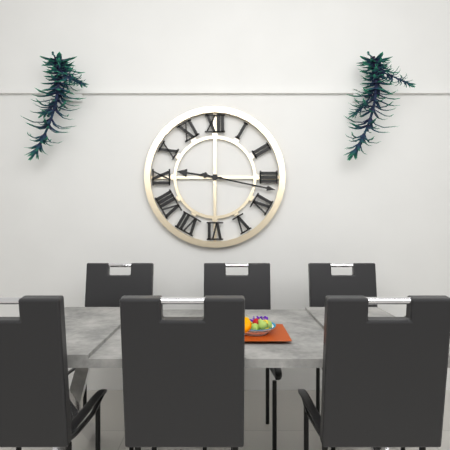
9:17
